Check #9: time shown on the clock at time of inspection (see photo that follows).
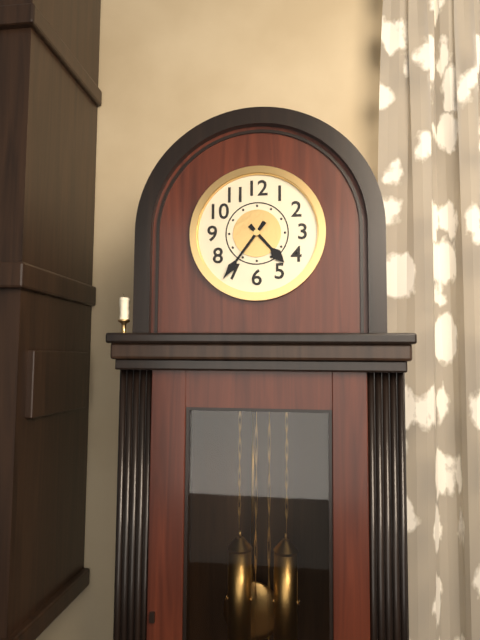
4:36
